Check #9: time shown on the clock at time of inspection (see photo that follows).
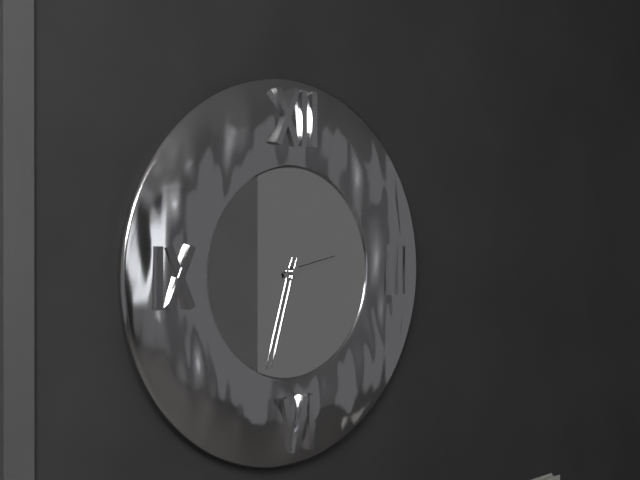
2:33
